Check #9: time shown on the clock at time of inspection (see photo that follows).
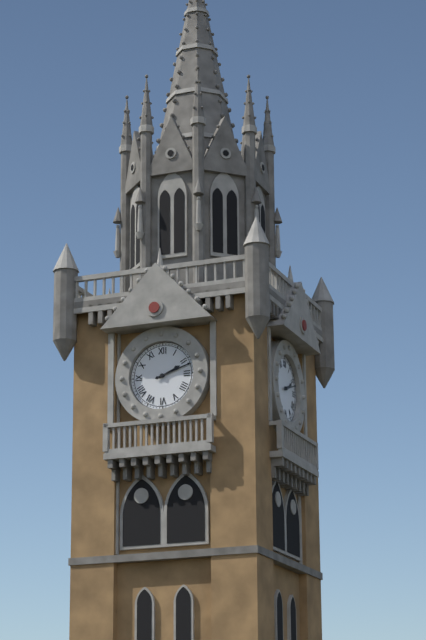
2:12
